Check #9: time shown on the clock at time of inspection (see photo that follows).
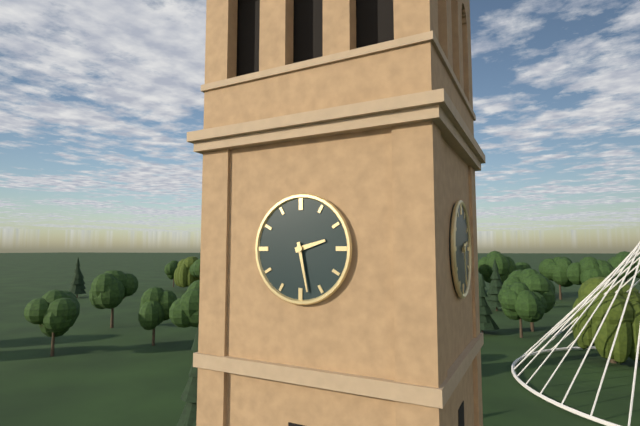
2:28
